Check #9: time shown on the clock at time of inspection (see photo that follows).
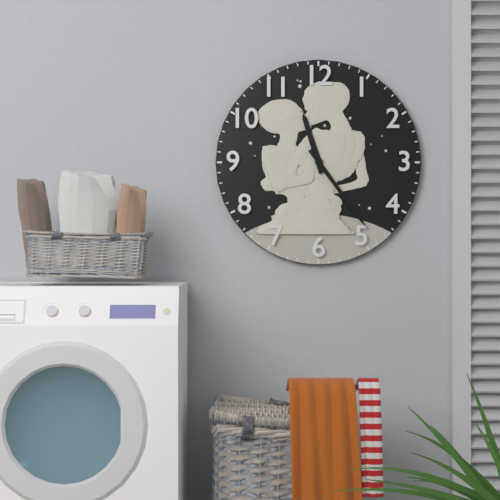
11:24
